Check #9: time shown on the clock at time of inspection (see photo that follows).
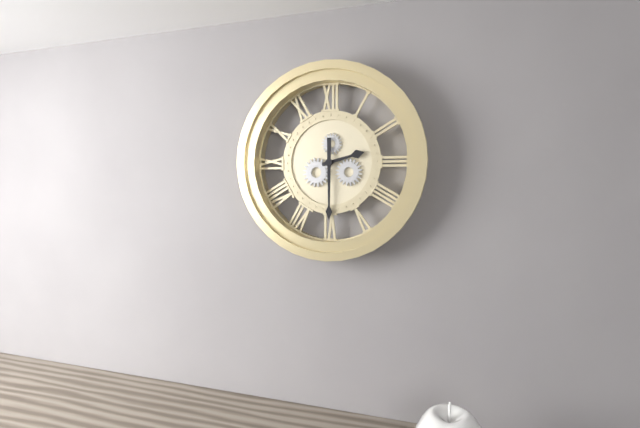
2:30
